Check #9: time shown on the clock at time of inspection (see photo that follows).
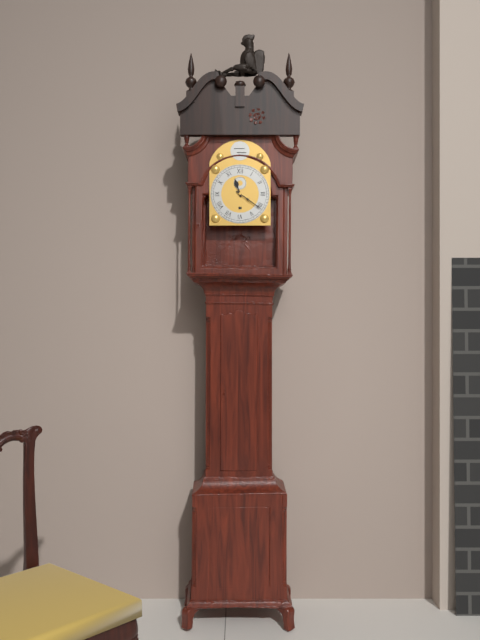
11:21
